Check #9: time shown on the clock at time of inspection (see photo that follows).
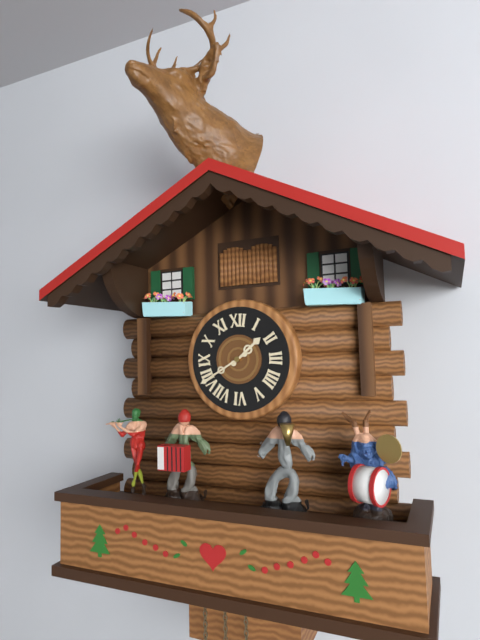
1:40
